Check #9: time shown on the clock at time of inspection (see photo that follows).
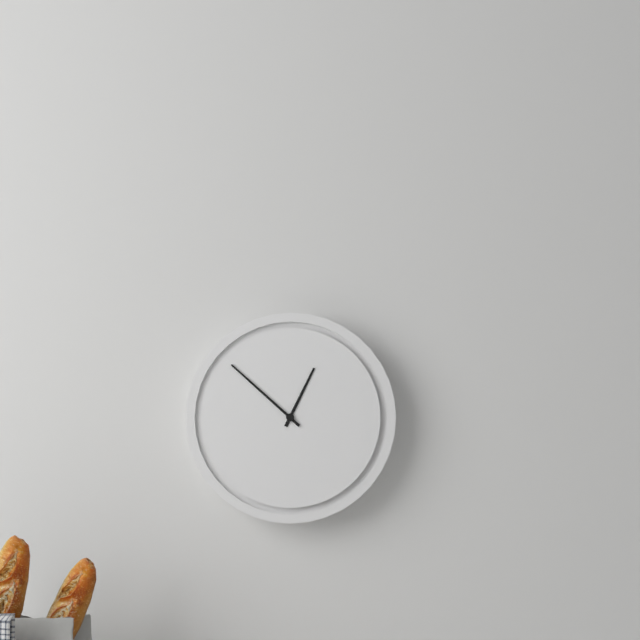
12:52
